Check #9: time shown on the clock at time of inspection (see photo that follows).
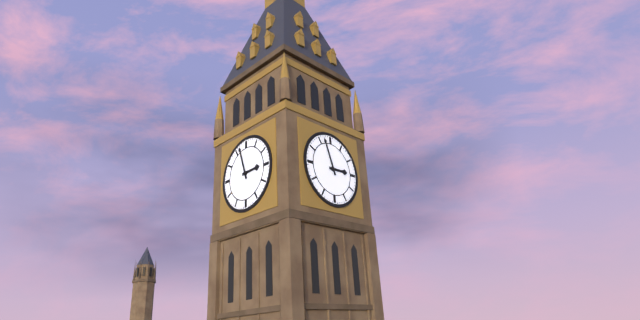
2:57
